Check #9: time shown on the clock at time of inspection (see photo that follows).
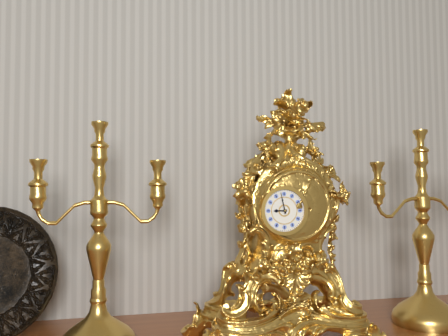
8:58
